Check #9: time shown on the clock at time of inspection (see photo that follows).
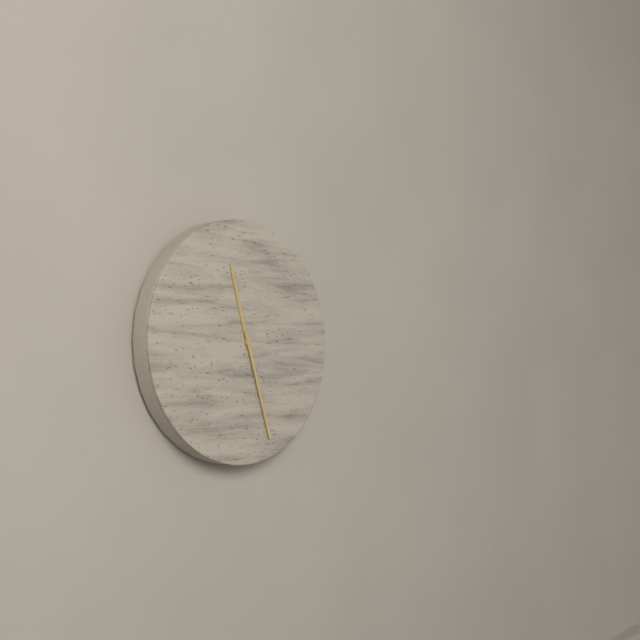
11:27
